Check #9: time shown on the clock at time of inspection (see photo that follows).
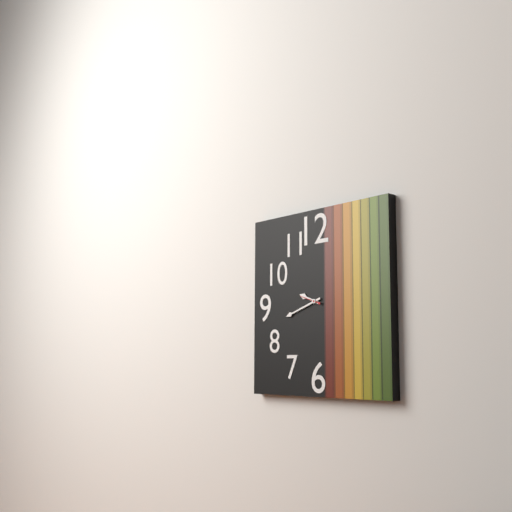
9:42
